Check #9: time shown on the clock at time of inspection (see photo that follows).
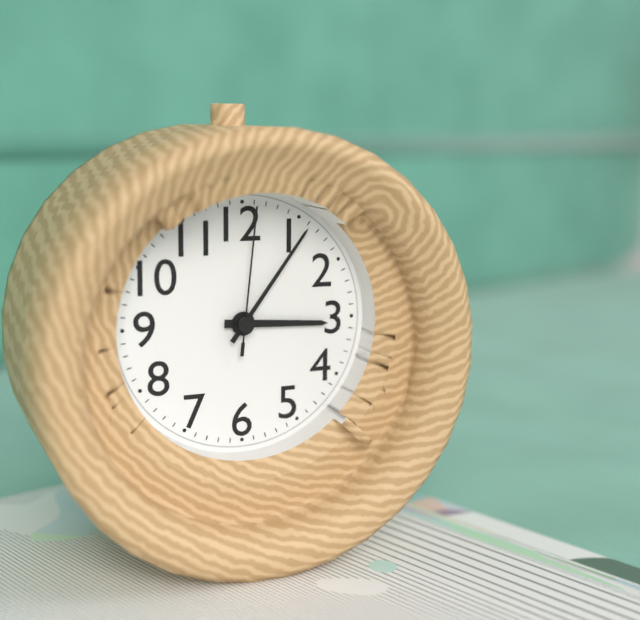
3:06:01
